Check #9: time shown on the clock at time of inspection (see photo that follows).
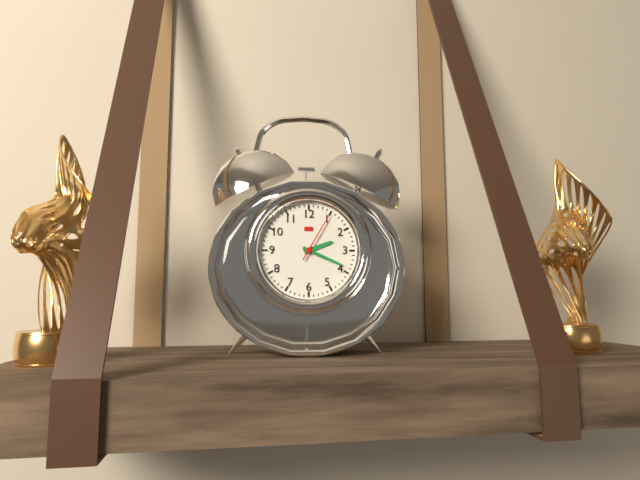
2:19:05
